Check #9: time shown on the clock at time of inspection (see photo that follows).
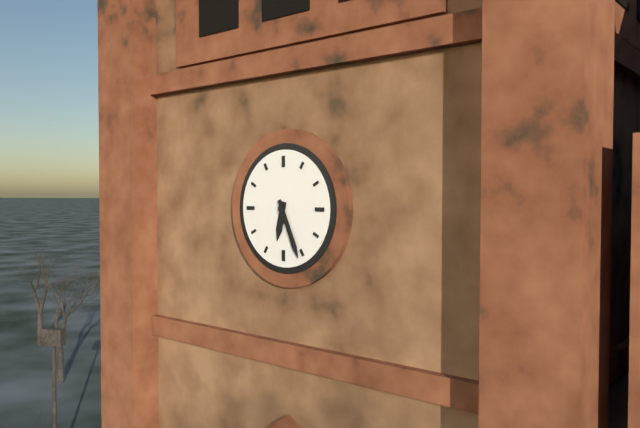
6:26
